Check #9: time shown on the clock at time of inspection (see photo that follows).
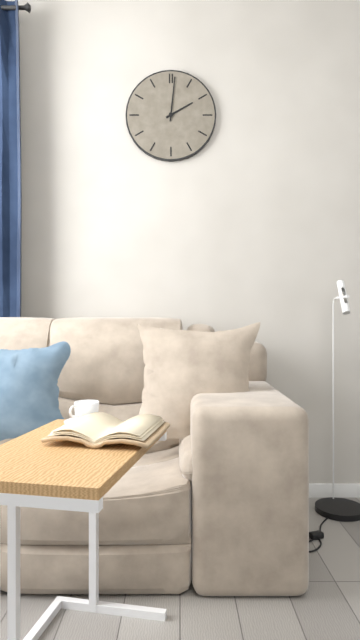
2:01
